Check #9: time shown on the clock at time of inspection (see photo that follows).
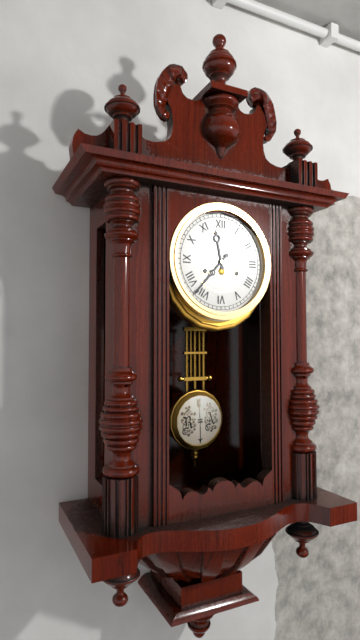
11:37
